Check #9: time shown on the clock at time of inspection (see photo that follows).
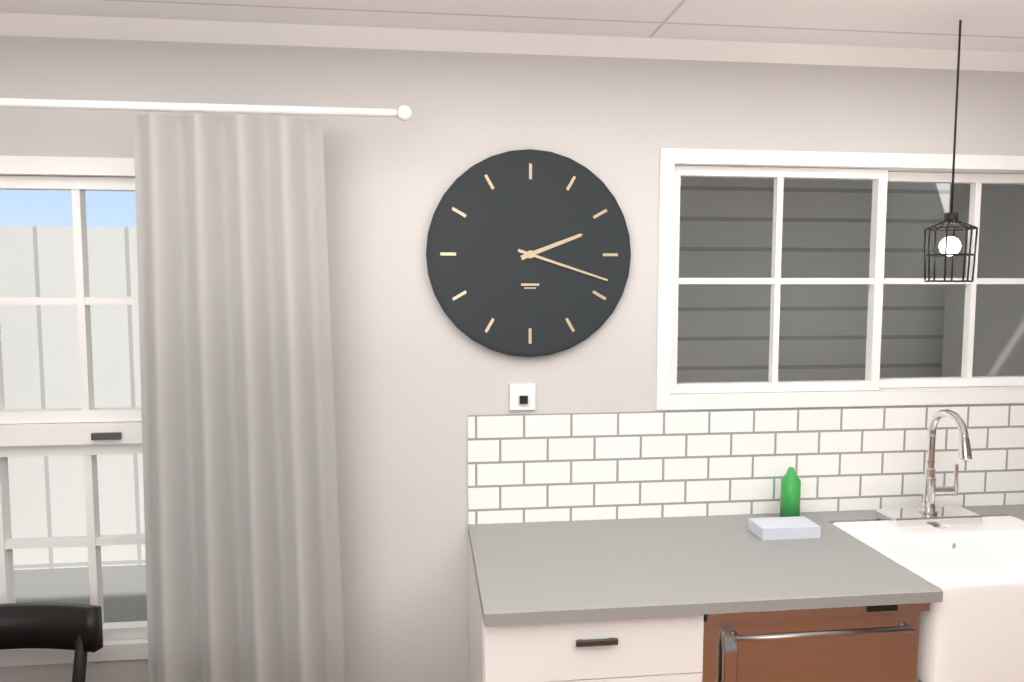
2:18
